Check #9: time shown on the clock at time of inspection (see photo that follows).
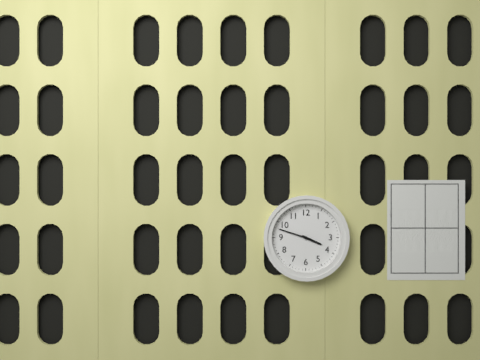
3:48
